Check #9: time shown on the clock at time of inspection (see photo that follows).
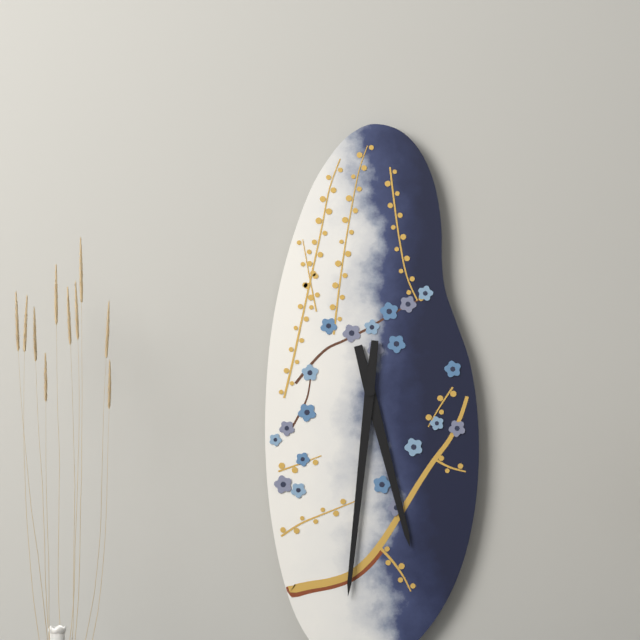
5:31
